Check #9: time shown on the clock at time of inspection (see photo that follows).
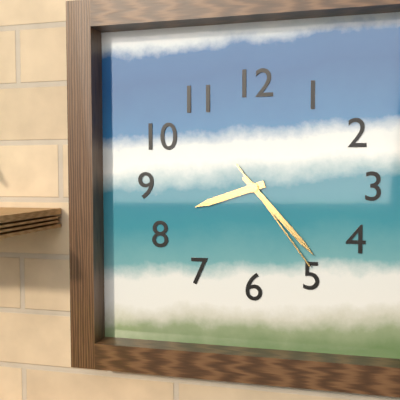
8:23:24
